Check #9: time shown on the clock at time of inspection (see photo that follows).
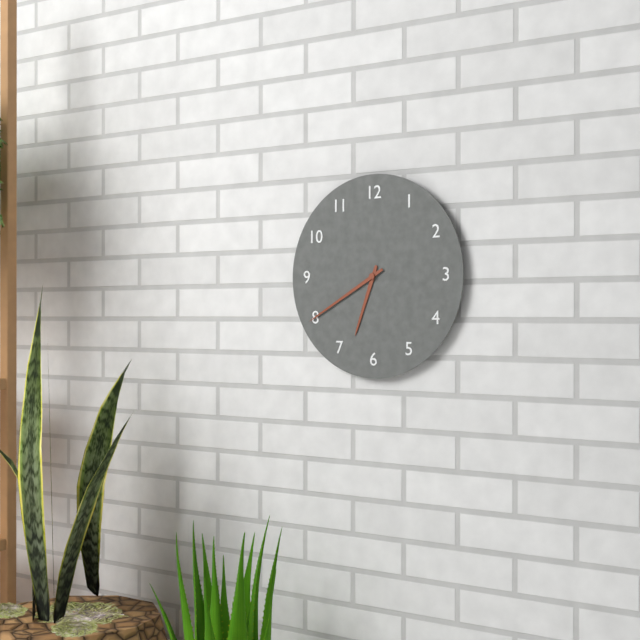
6:40
